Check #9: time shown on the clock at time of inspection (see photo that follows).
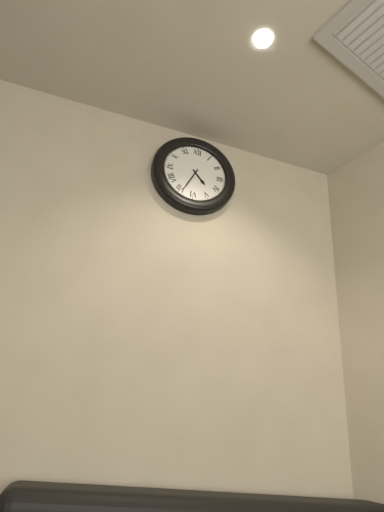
4:34
